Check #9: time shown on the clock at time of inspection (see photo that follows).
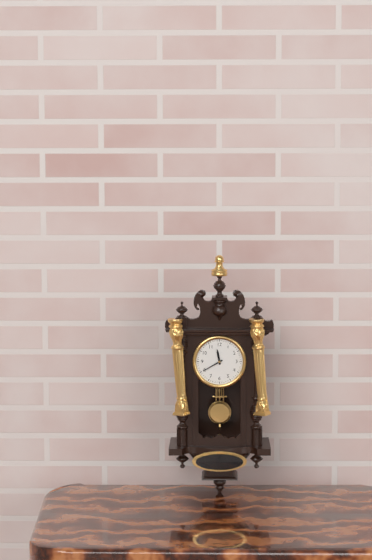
11:40
